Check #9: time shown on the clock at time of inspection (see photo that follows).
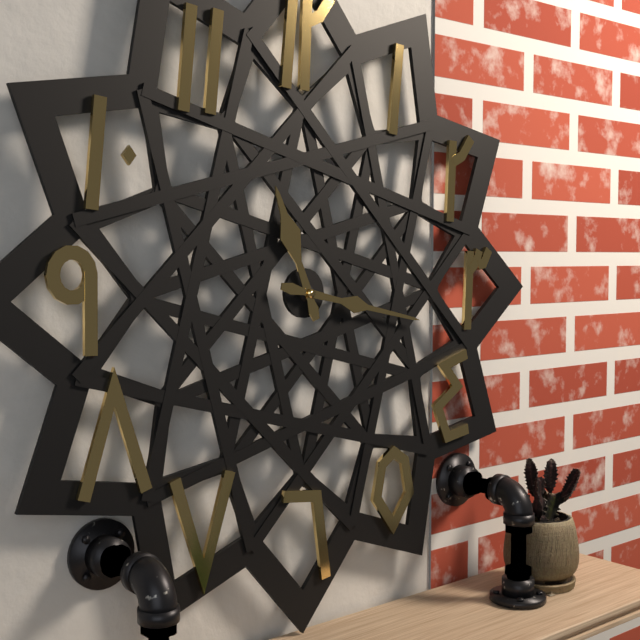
11:17
